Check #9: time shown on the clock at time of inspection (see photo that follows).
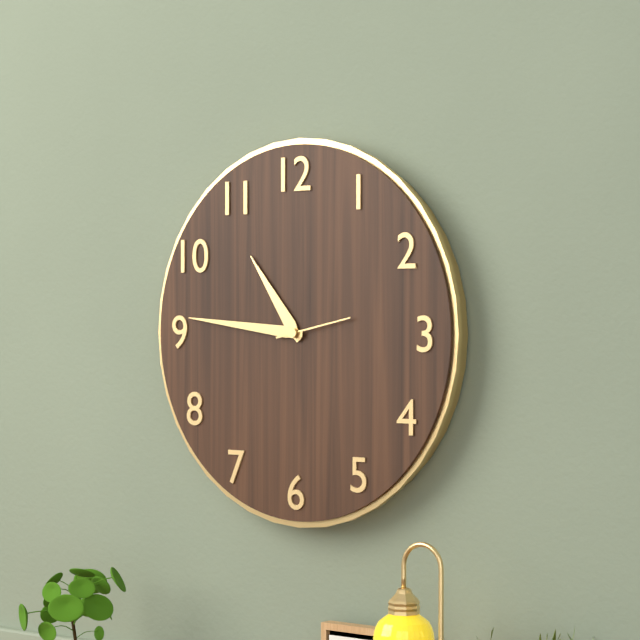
10:46:13
